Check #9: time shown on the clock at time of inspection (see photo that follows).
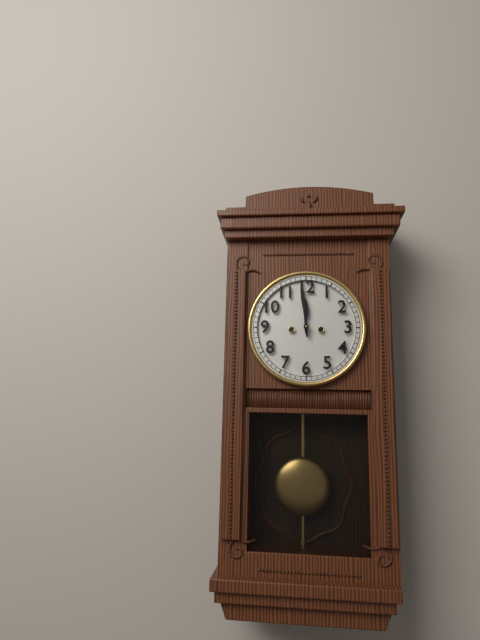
11:59
